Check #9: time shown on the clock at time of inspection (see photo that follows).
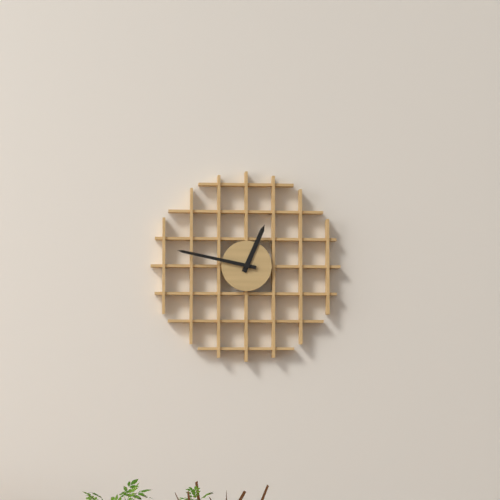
12:47
